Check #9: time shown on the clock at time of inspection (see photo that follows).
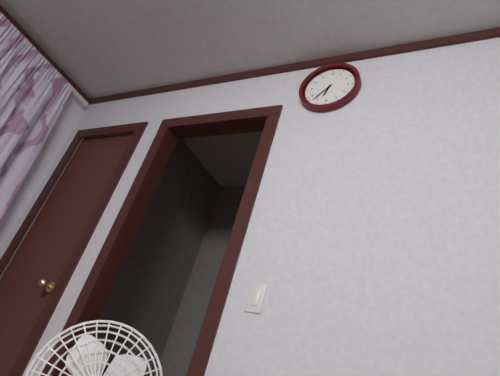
6:37
